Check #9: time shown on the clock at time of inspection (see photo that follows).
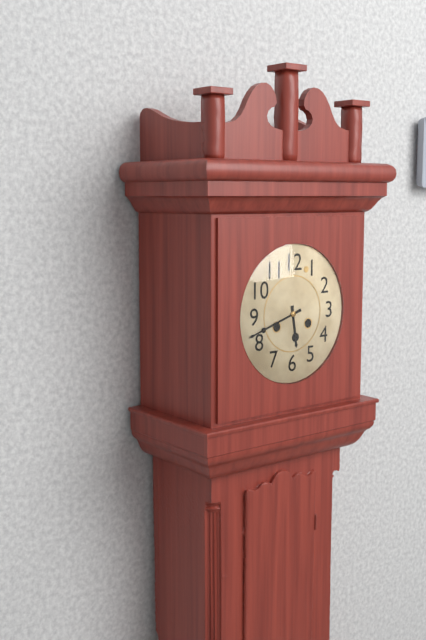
5:42
